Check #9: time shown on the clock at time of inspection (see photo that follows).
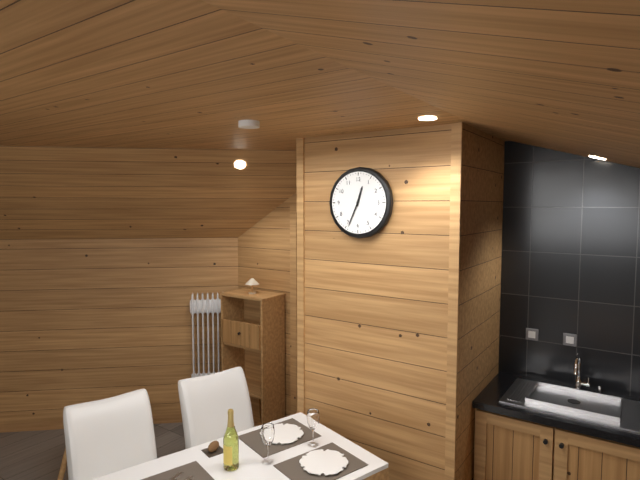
12:34
